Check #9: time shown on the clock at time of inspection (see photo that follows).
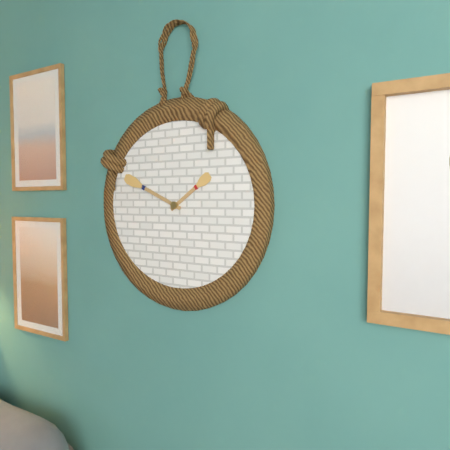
1:49
